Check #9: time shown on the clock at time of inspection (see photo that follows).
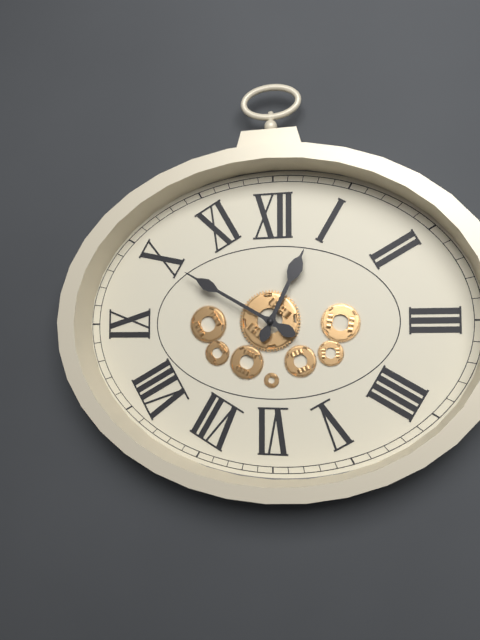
12:50
